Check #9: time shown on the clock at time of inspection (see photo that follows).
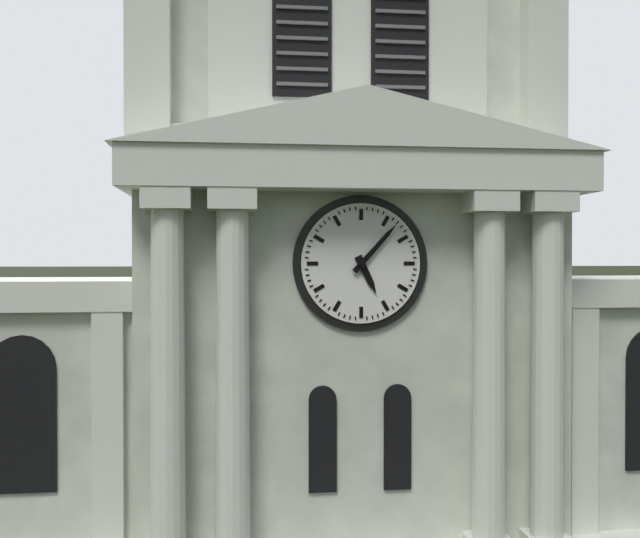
5:07
